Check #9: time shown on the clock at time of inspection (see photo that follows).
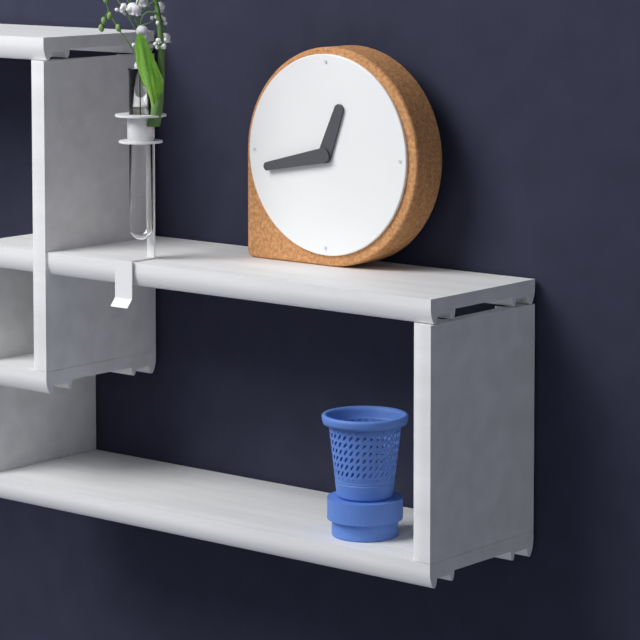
12:43
